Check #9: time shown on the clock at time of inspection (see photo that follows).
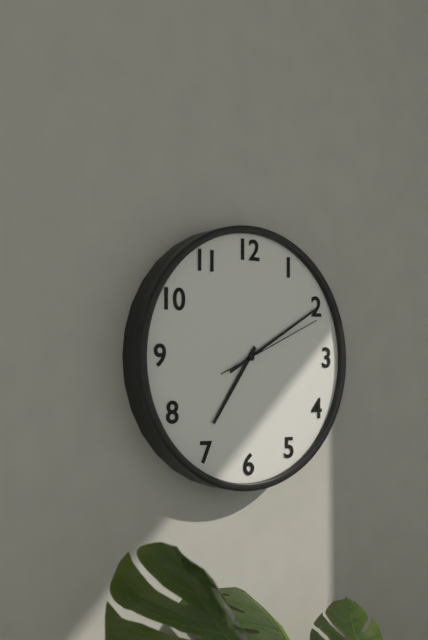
7:10:11
